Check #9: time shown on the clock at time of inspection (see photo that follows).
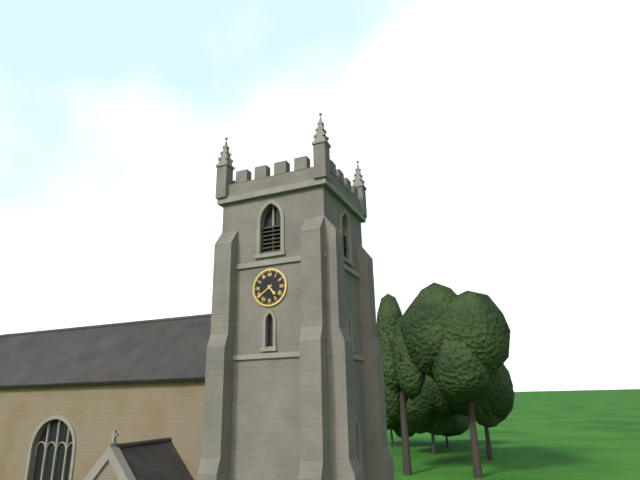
4:39
